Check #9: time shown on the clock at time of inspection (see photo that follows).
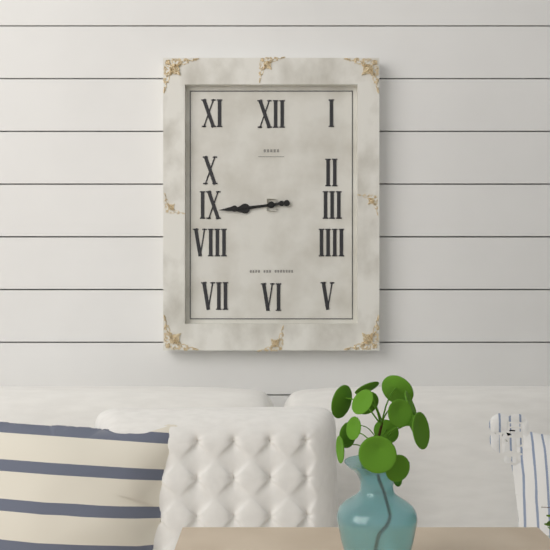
8:44
